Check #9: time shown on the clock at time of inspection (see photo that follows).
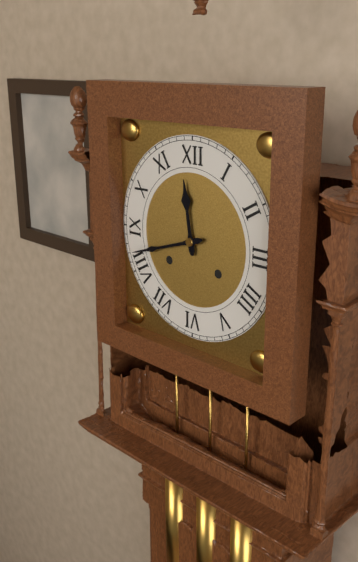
11:42
